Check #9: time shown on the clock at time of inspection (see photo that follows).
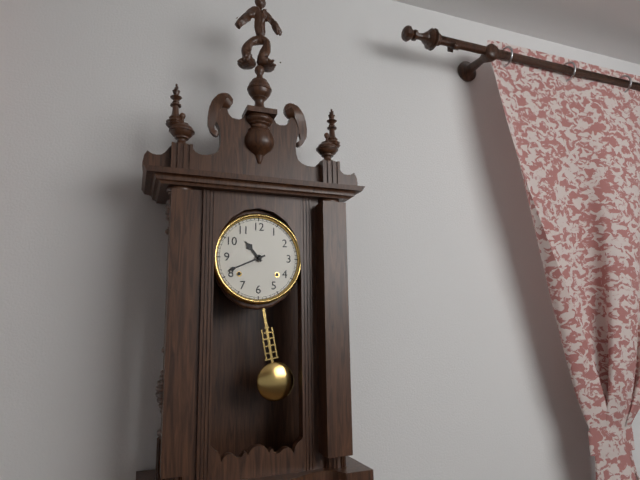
10:41
